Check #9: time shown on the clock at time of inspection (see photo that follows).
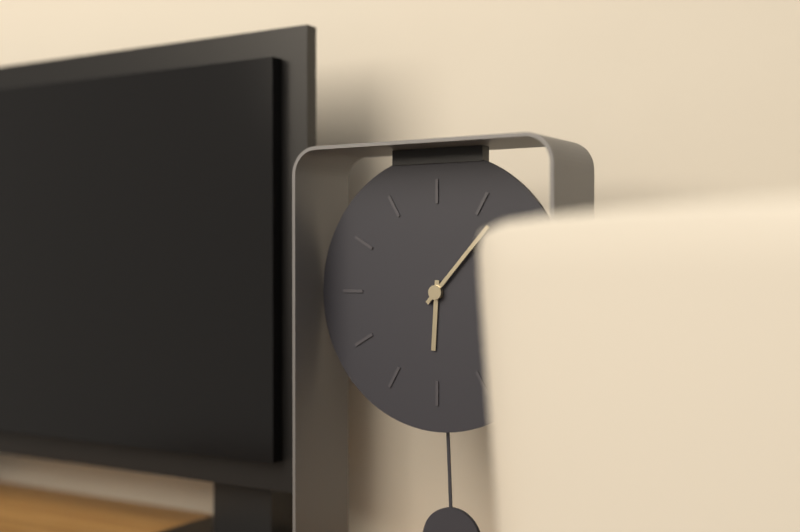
6:07
